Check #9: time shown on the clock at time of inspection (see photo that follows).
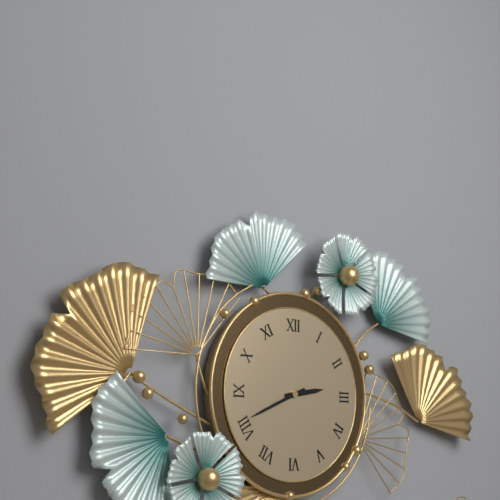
2:41
